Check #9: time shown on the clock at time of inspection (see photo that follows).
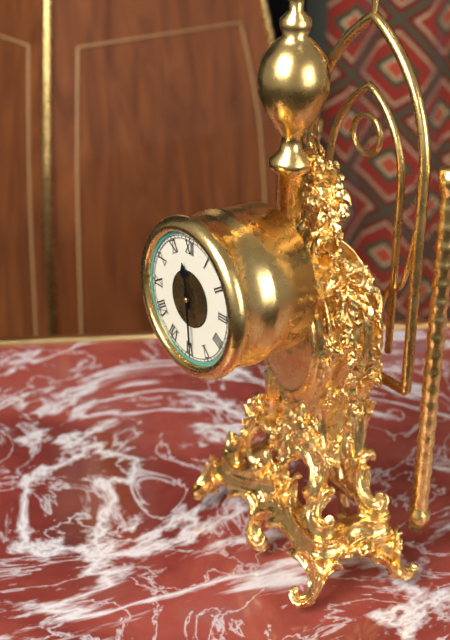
11:29
